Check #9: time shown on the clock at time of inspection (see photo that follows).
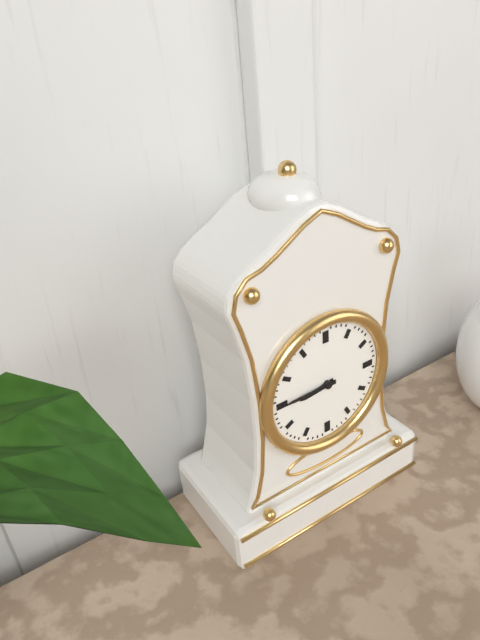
8:45
